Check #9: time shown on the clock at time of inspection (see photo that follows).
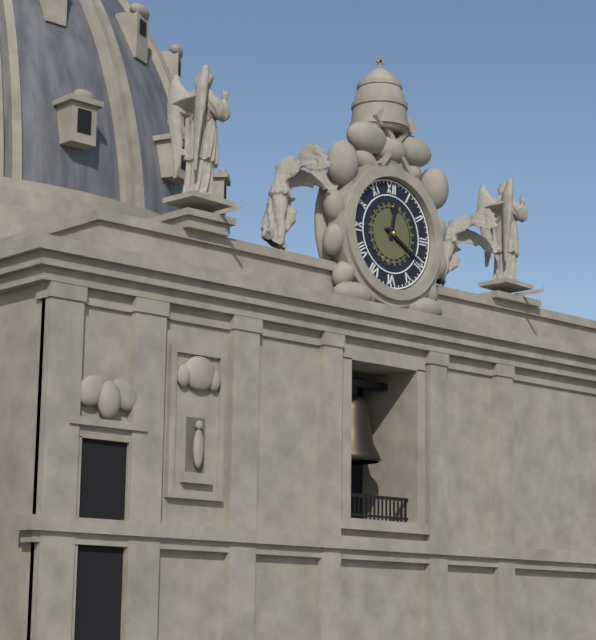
12:20
